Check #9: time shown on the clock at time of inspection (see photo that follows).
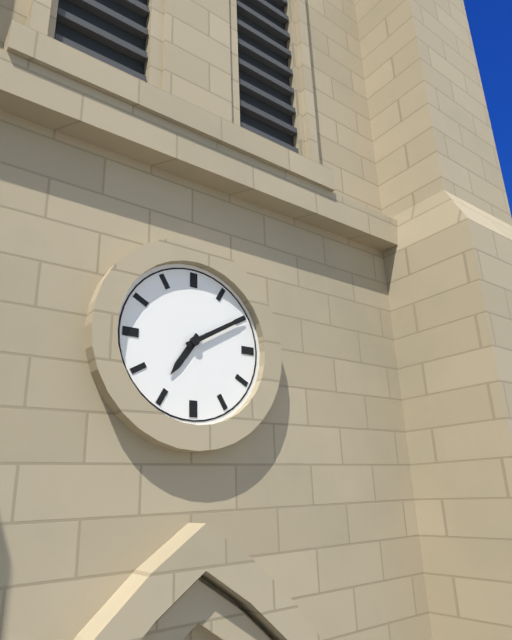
7:10
